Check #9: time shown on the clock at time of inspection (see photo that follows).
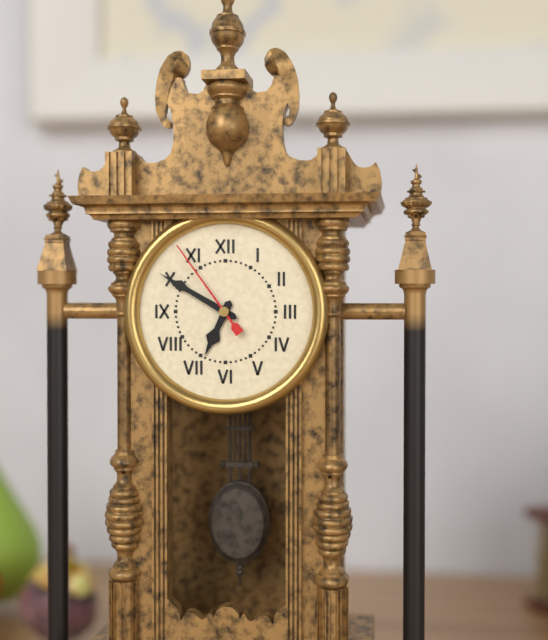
6:50:54
